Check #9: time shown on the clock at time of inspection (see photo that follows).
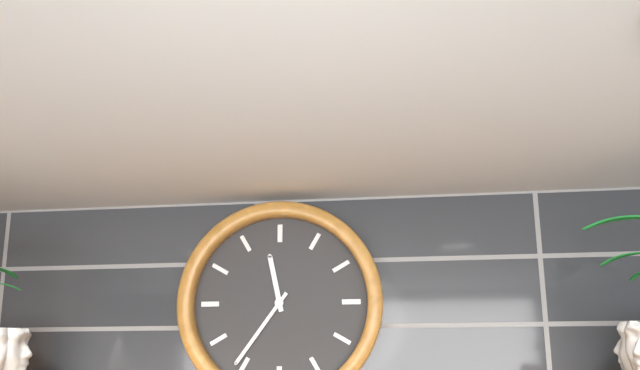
11:36
